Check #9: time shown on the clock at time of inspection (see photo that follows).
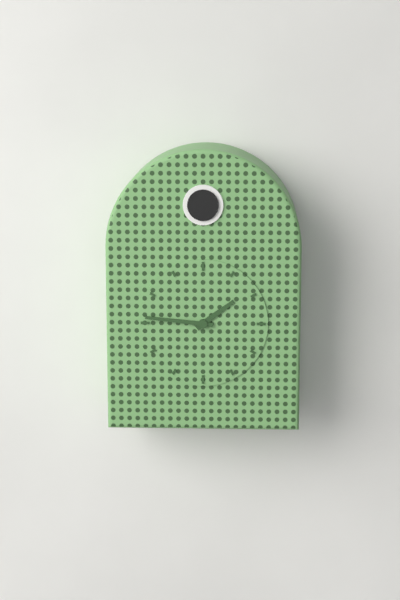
1:46
